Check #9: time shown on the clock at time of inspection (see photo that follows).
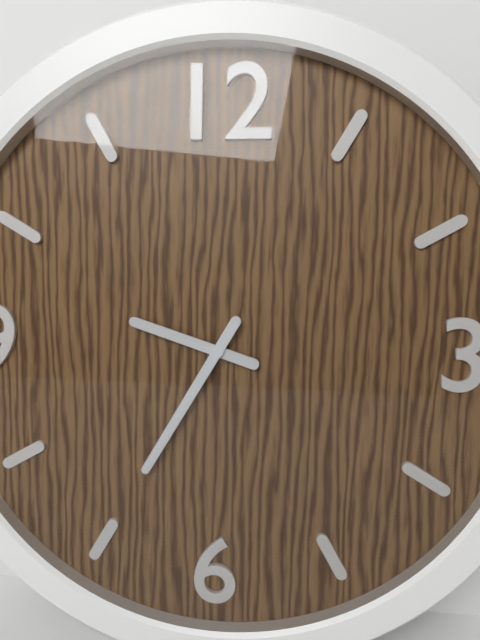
9:35
